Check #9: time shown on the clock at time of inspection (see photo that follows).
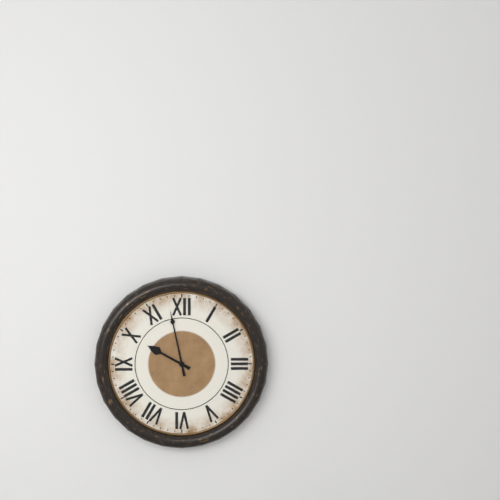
9:58
